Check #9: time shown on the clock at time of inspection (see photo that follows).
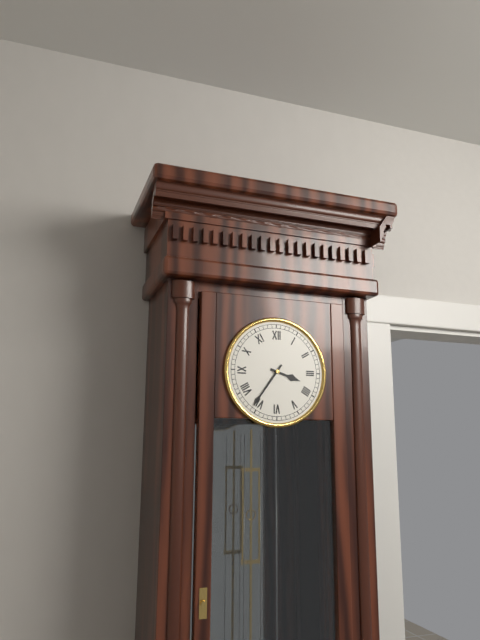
3:36
